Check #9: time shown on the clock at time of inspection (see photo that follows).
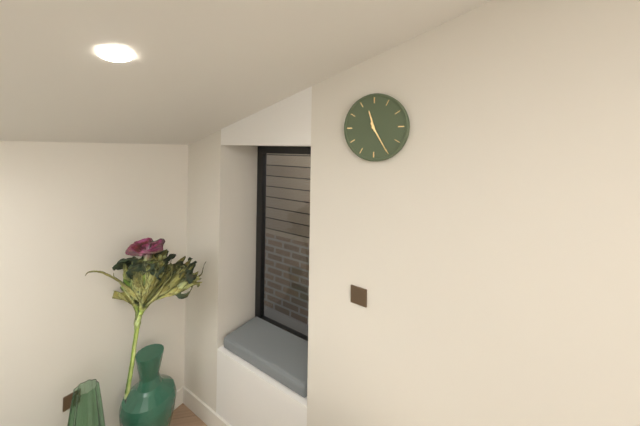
11:25
